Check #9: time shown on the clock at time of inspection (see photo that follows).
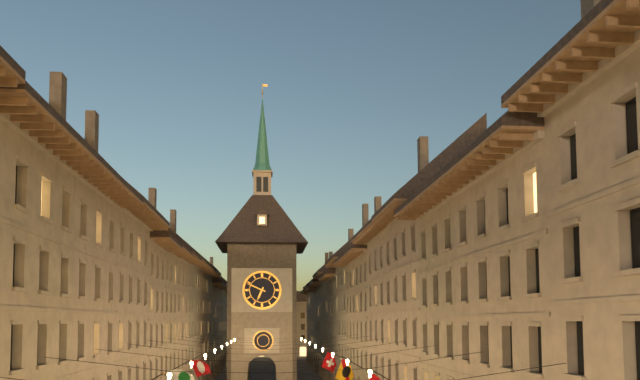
6:49
